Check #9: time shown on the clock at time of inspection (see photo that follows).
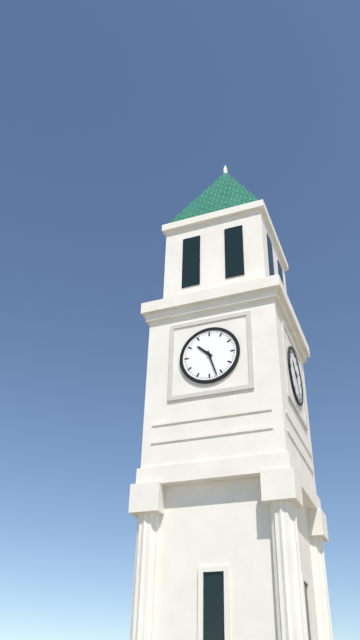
10:27
